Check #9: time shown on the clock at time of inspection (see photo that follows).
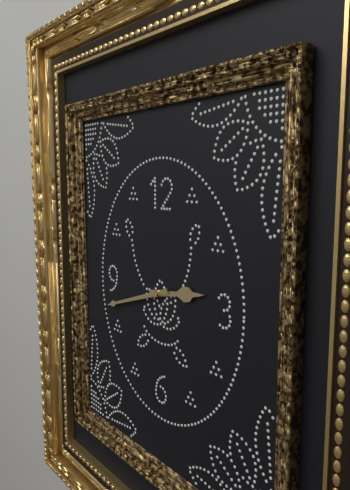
2:42
